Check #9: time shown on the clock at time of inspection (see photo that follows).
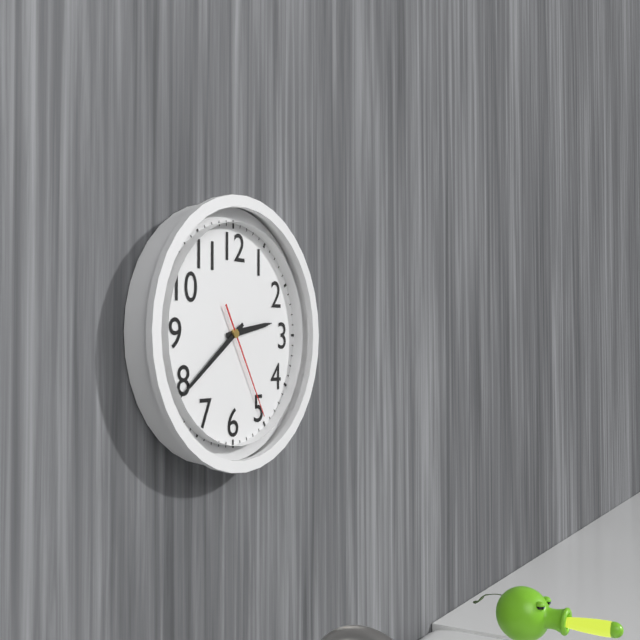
2:39:25
